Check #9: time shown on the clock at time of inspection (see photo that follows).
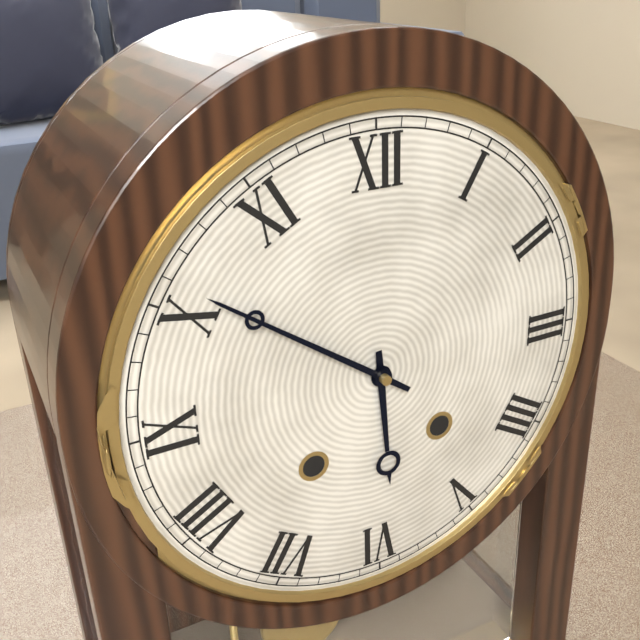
5:51
